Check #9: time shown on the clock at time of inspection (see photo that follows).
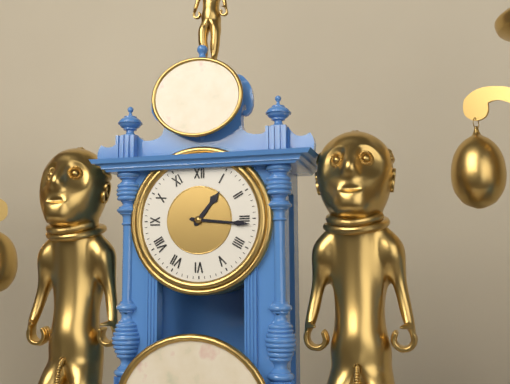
1:16
